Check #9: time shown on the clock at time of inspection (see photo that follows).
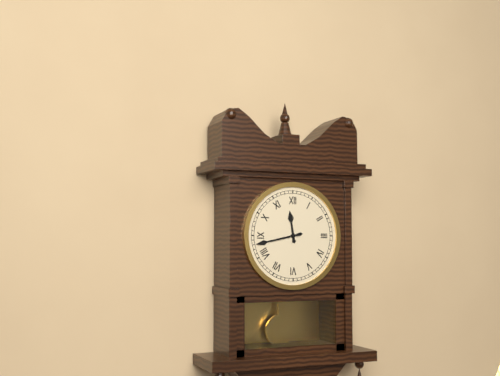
11:43
